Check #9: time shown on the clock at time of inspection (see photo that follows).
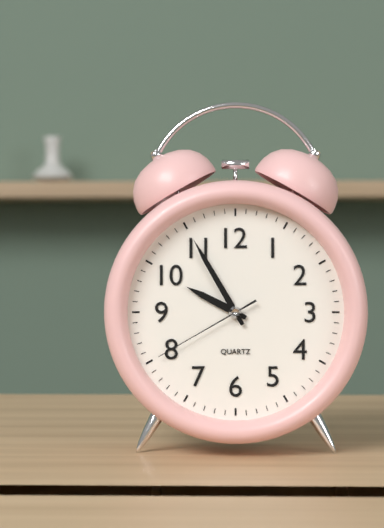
9:55:40
